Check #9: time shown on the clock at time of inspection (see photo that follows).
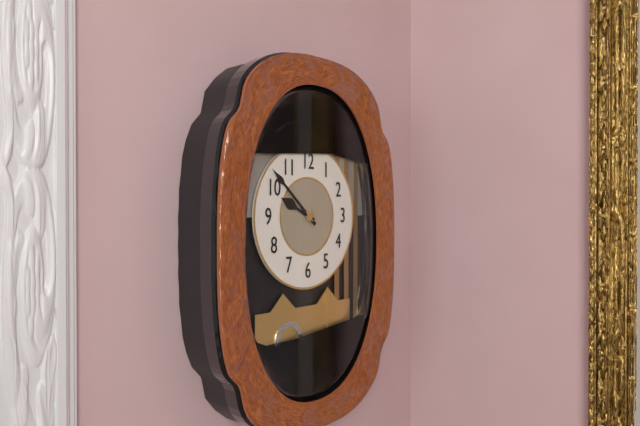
9:52
